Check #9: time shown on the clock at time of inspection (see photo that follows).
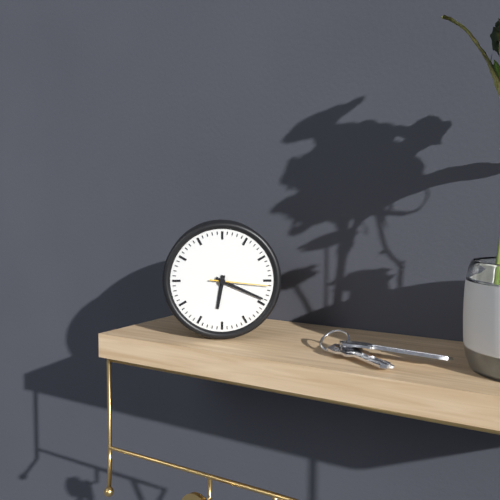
6:19:16
